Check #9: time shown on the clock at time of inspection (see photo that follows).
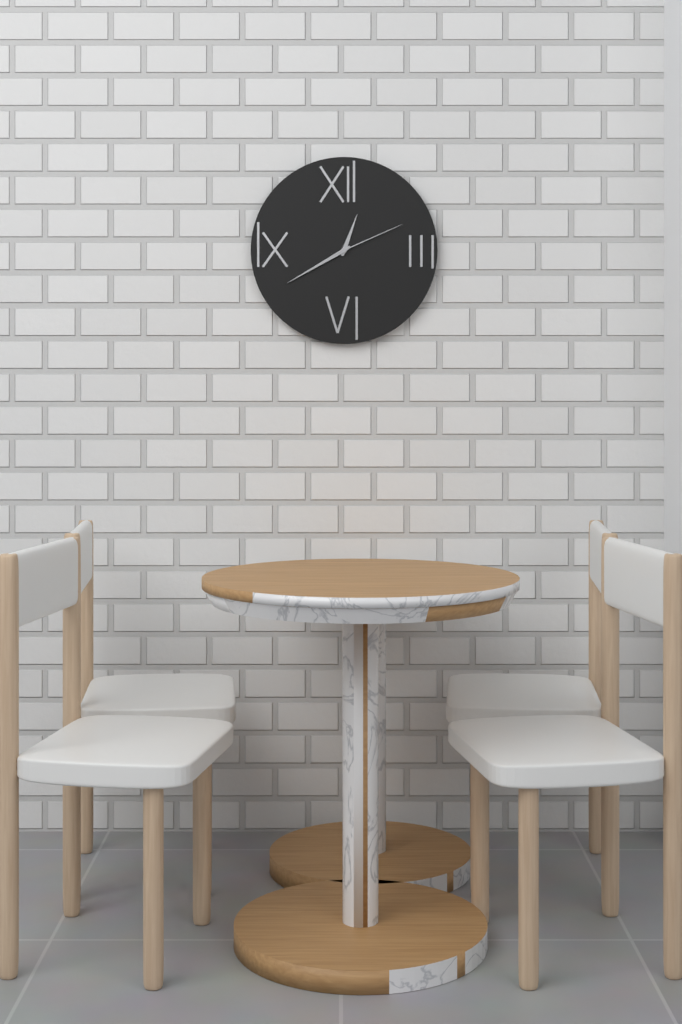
12:40:11
